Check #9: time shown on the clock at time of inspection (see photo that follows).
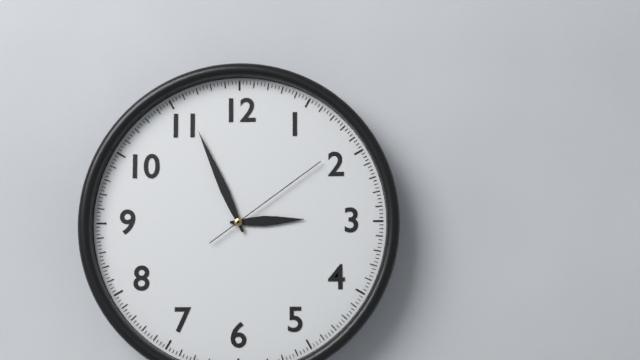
2:56:09
